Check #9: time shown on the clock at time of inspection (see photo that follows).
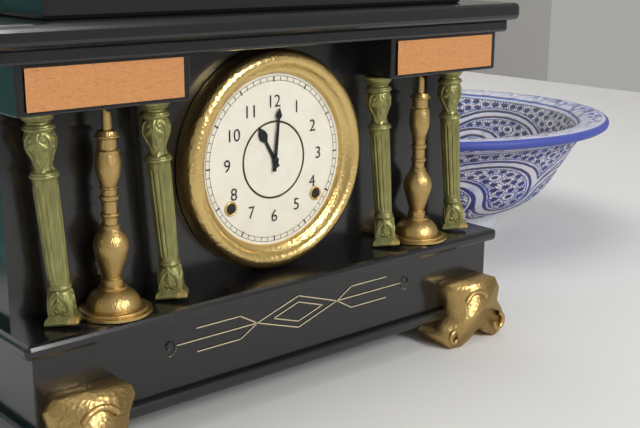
11:01
